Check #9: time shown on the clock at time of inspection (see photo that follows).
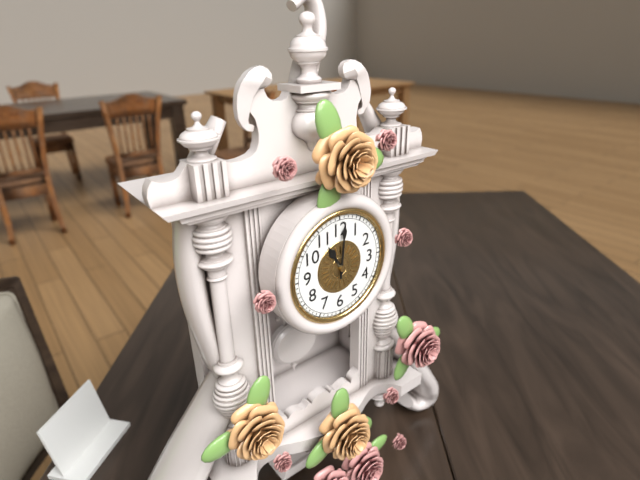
11:01
